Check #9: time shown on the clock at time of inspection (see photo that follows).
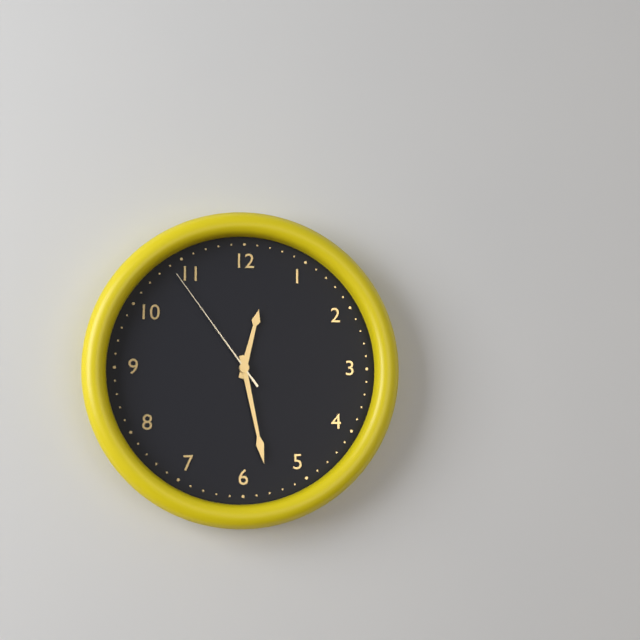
12:28:54
